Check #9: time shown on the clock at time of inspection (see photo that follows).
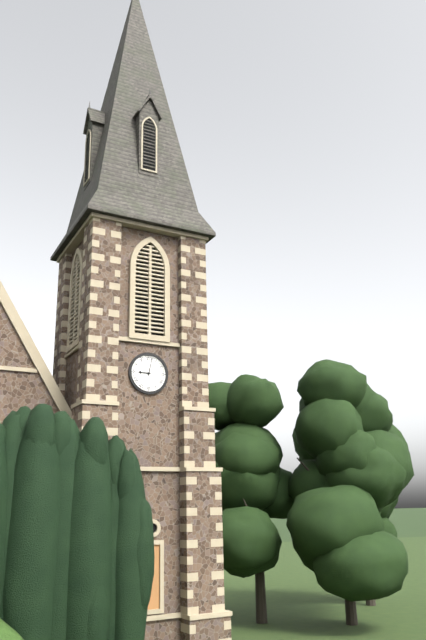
9:02
